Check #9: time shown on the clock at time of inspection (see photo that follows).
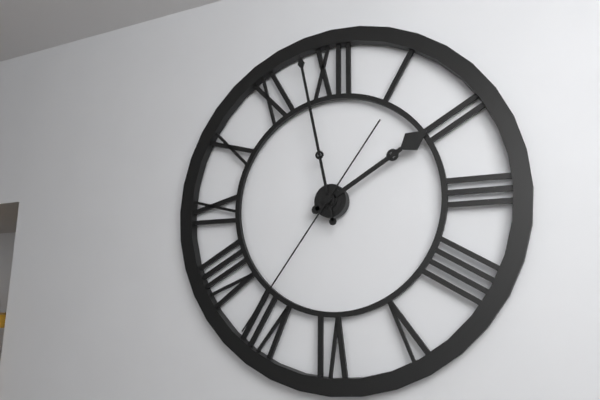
1:58:36
